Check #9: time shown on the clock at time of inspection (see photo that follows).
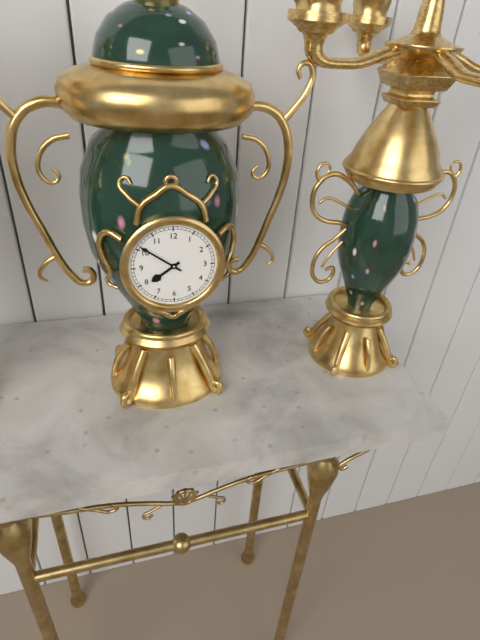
7:51
